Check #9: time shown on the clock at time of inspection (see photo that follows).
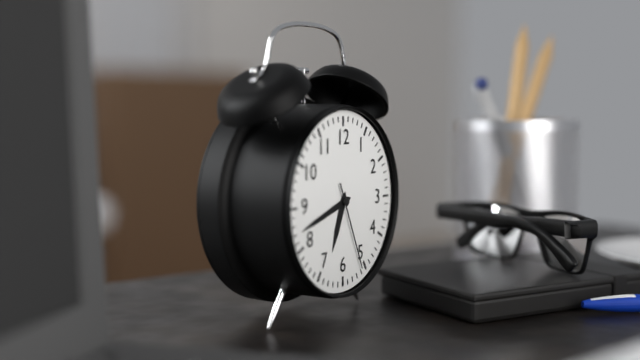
6:42:26
